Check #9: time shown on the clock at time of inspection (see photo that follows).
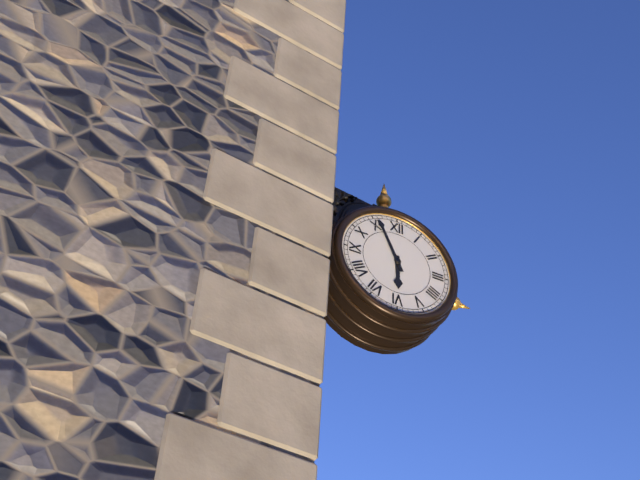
5:56
